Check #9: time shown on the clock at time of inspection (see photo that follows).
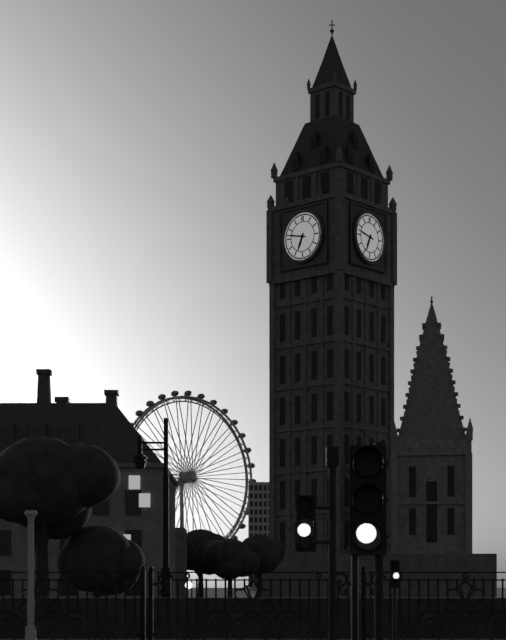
6:47
